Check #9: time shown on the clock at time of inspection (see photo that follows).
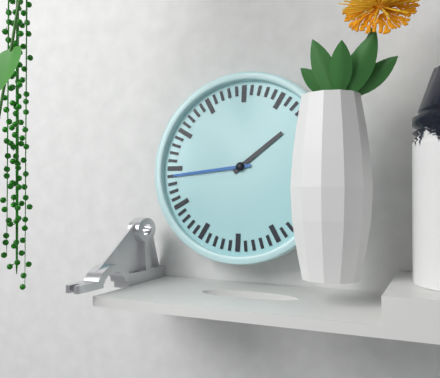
1:44
